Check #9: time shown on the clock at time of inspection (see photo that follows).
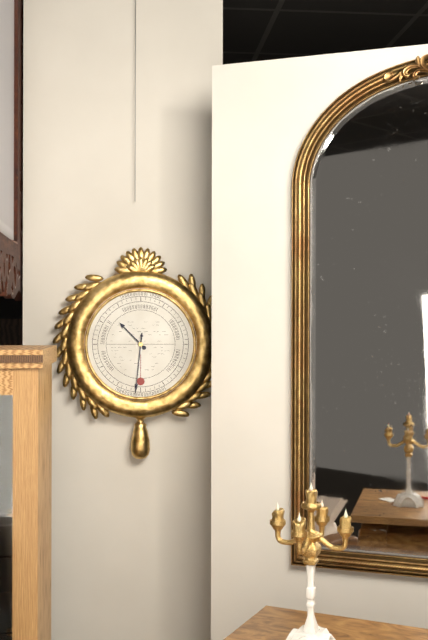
10:31
